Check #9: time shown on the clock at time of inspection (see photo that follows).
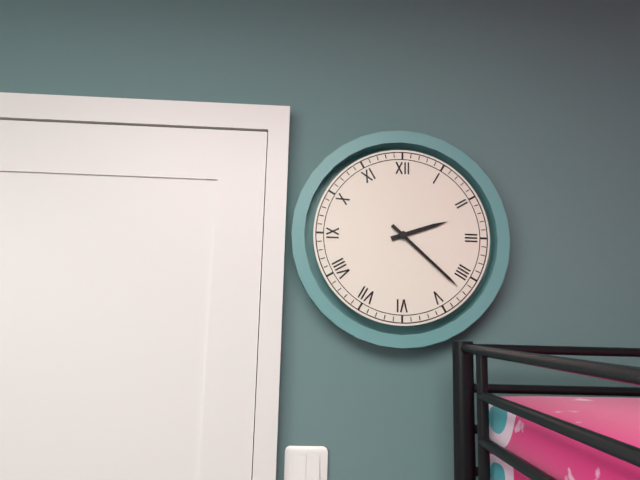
2:22
